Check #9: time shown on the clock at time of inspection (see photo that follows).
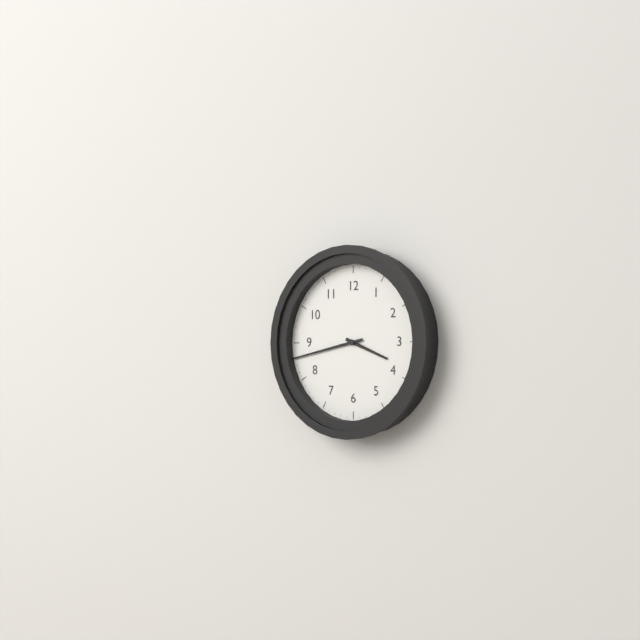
3:43
